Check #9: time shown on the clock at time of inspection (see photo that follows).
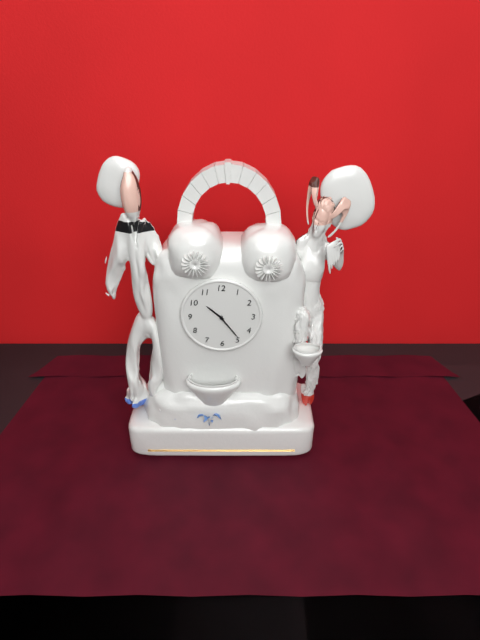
10:24
